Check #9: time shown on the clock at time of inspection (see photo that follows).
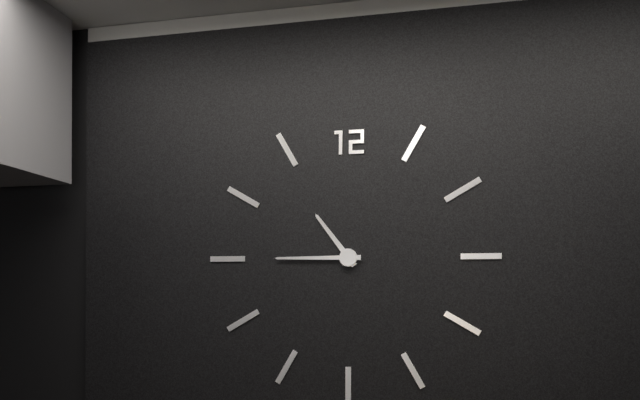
10:45
